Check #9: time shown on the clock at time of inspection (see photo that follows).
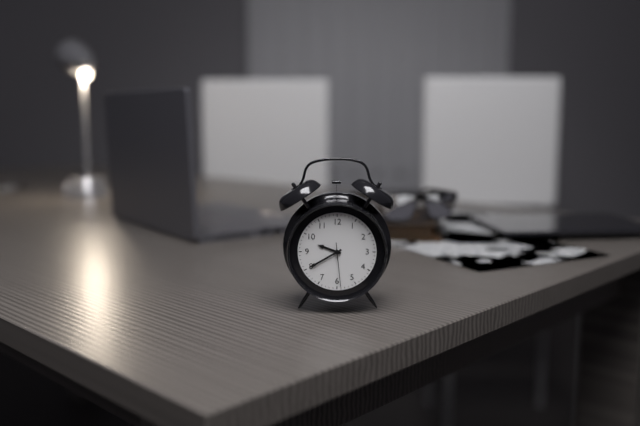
9:40
